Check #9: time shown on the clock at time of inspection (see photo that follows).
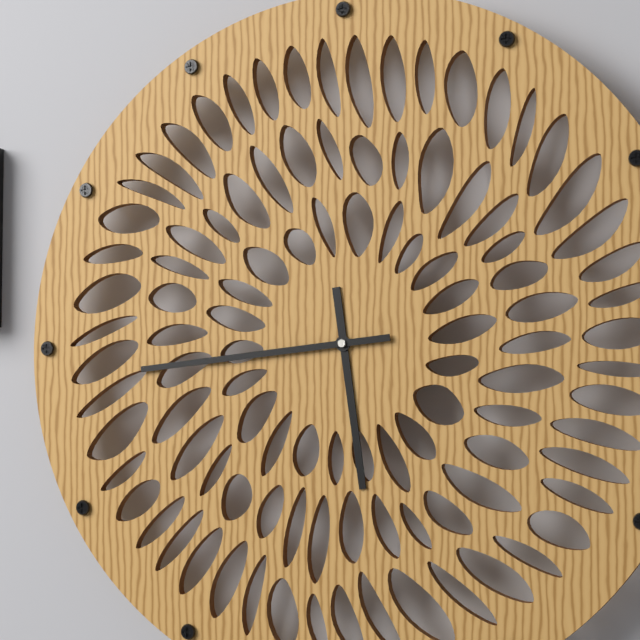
5:44
